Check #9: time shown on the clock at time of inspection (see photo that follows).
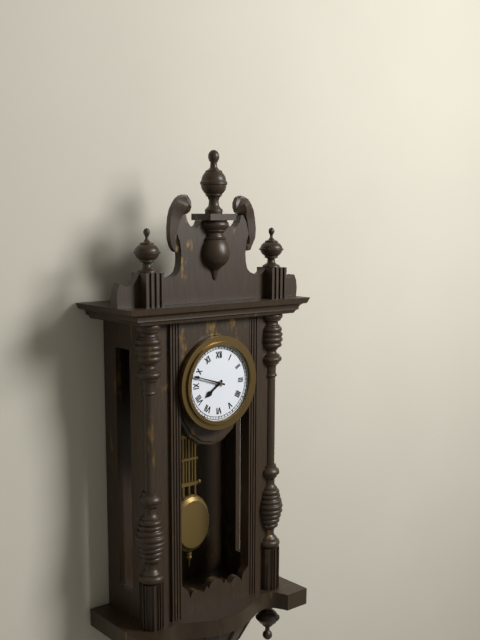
7:48
